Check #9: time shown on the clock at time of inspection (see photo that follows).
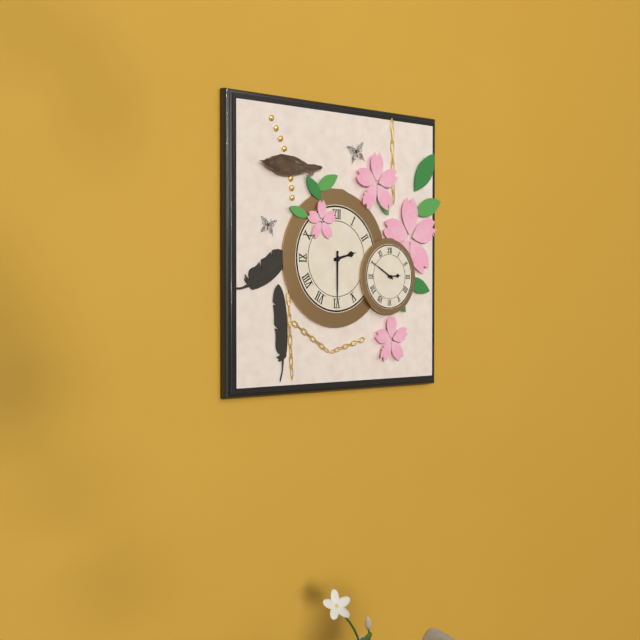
2:30
